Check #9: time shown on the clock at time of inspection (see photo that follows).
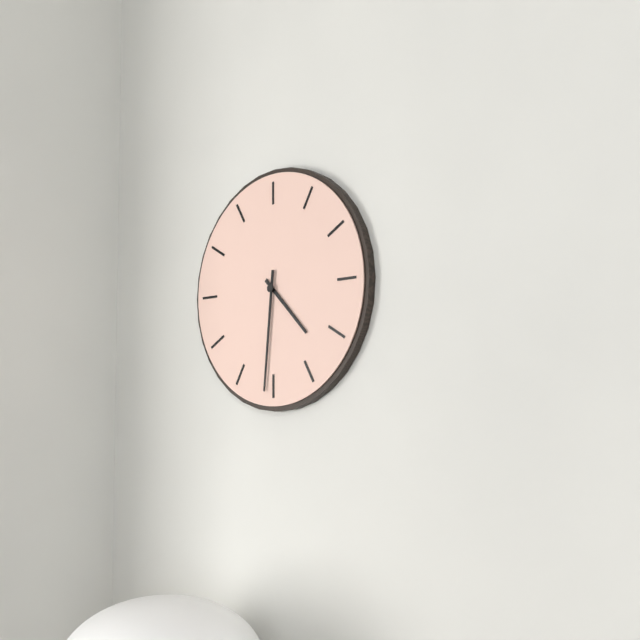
4:31
